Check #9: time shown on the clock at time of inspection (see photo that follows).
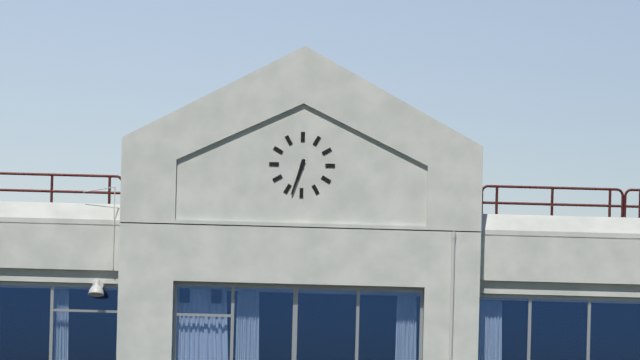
6:33
